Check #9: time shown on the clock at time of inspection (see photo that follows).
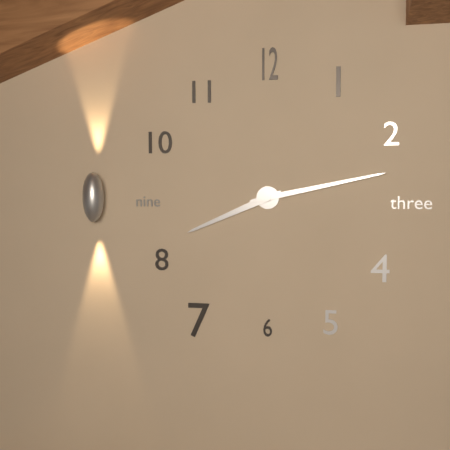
8:13
